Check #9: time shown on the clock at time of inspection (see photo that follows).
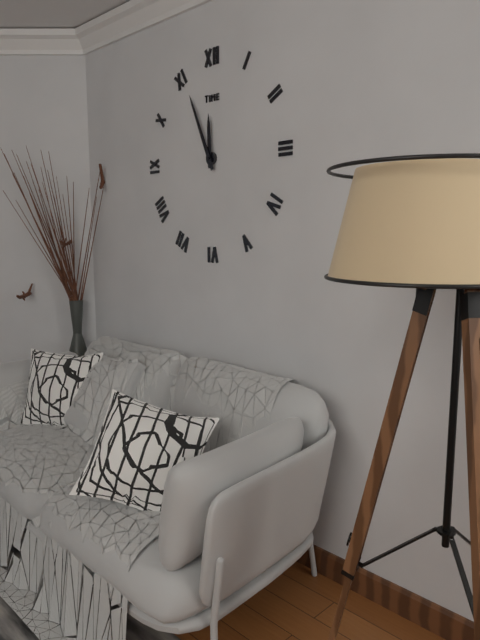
11:56
